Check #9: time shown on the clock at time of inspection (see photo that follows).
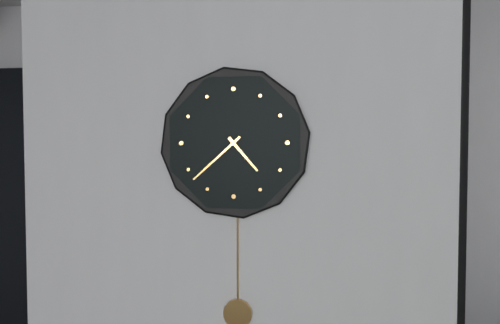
4:38
